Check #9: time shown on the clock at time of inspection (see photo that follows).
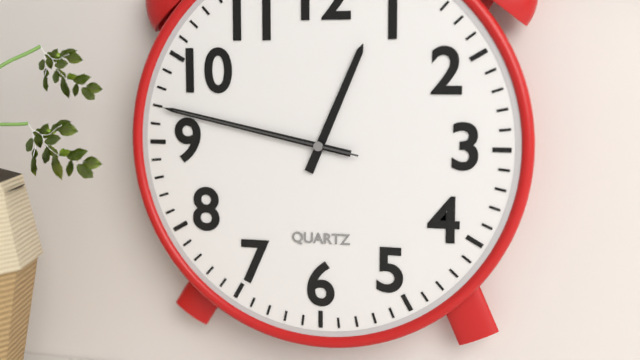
12:47:47
